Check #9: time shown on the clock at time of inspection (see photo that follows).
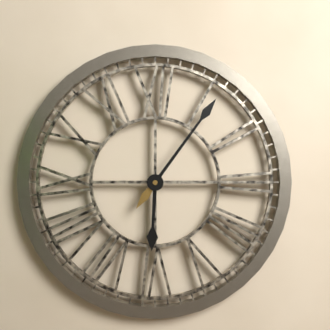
6:06
